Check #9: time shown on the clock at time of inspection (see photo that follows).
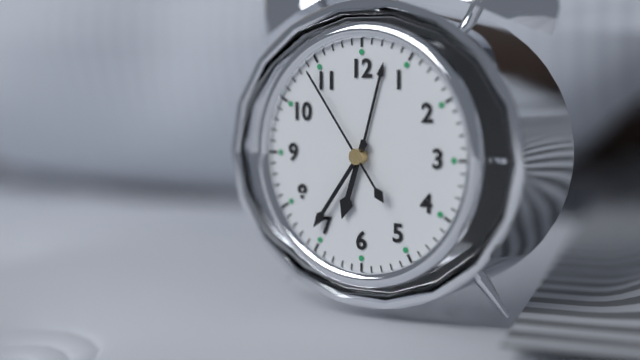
6:36:54
